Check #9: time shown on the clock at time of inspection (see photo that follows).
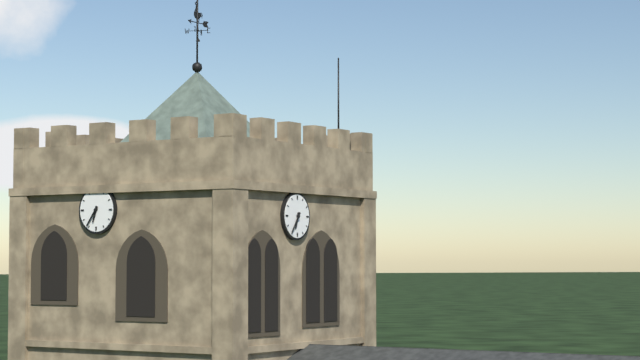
6:36
